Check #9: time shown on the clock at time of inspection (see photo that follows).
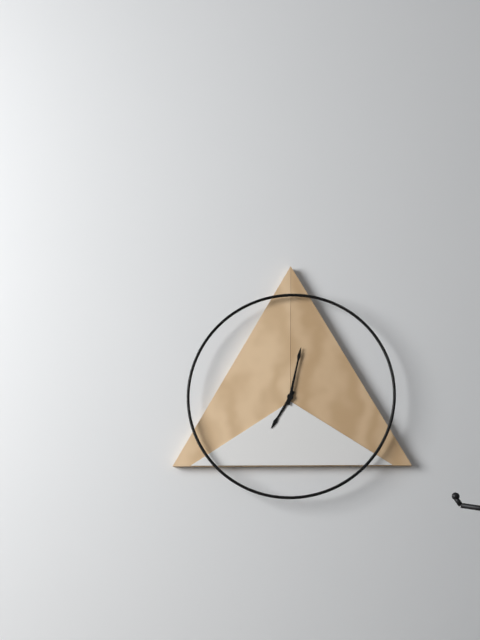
7:02
